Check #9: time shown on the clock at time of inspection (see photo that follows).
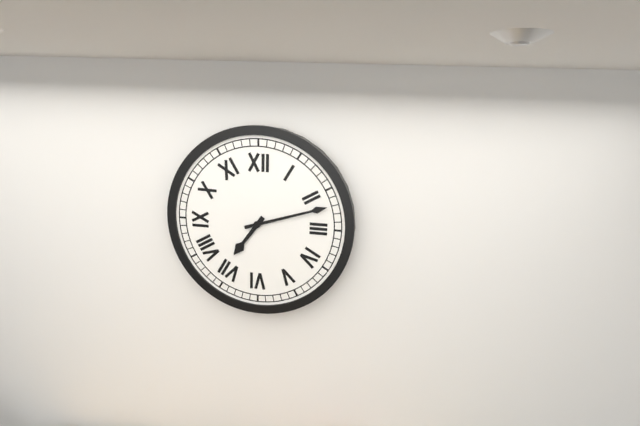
7:12
